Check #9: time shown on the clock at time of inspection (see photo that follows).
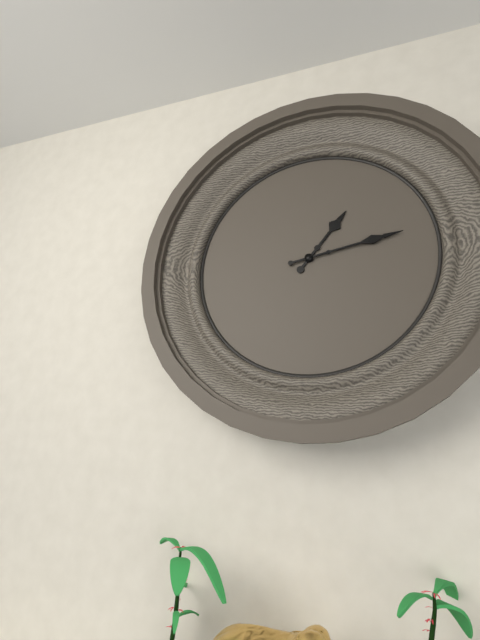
1:13
